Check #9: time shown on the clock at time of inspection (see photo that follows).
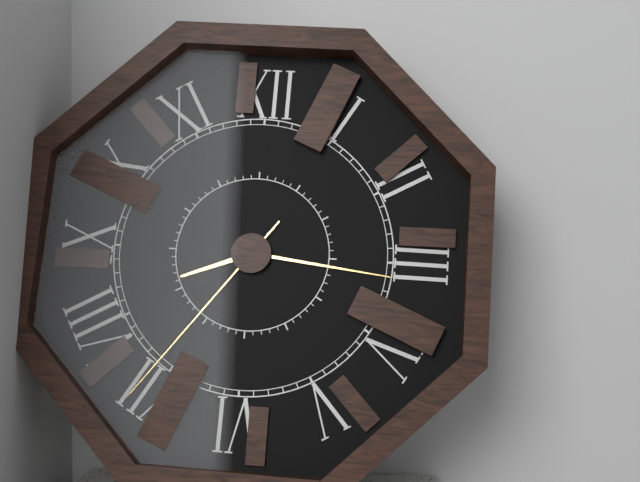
8:16:36
